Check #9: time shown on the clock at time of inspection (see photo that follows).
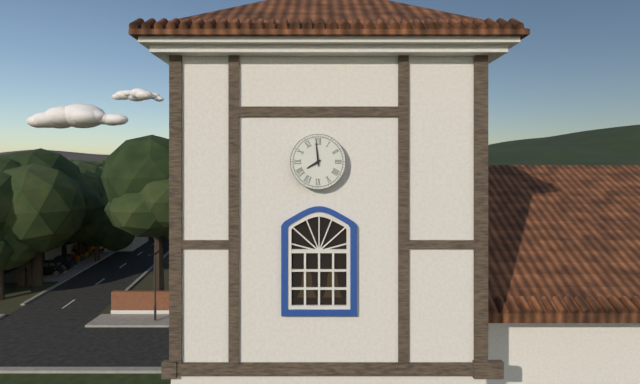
7:59
